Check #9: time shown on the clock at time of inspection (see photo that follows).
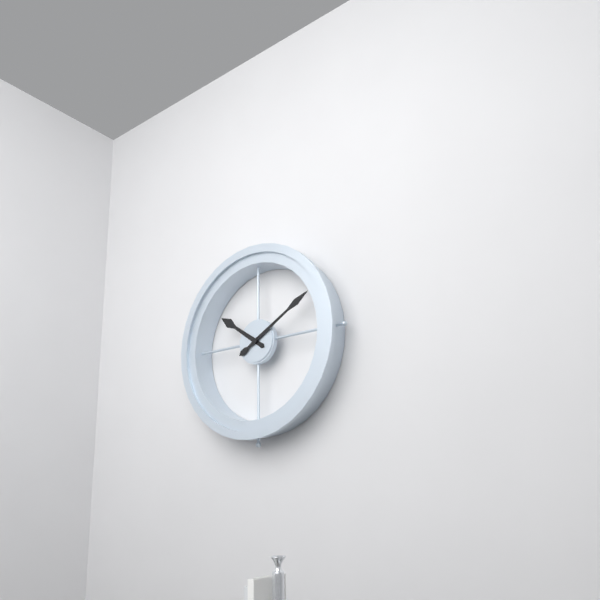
10:10
